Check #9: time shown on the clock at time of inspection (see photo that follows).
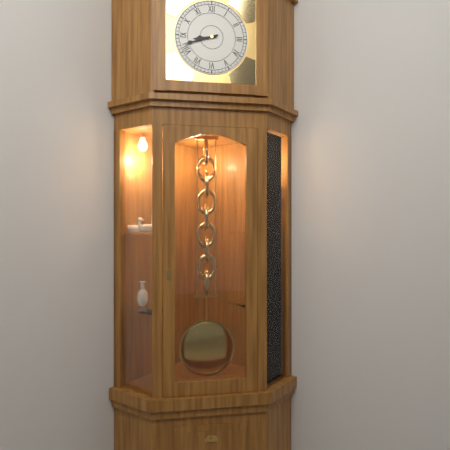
8:42
